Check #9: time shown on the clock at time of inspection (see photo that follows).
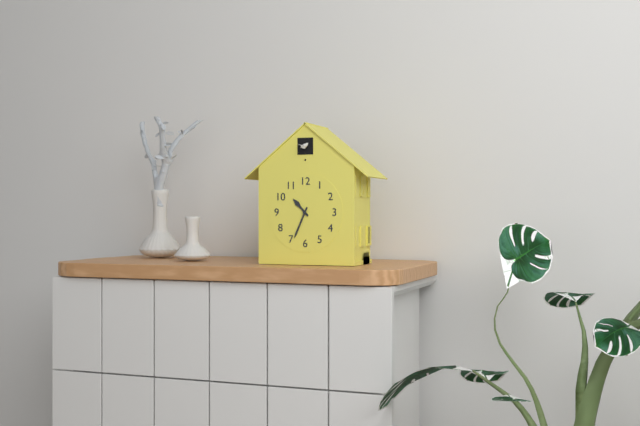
10:34
